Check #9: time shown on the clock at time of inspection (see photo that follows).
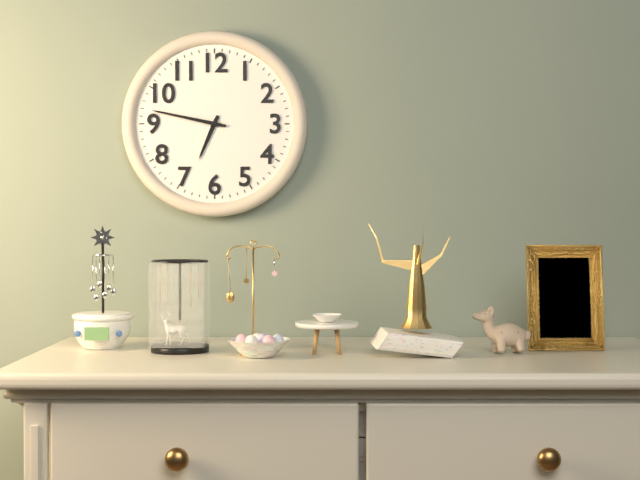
6:47
